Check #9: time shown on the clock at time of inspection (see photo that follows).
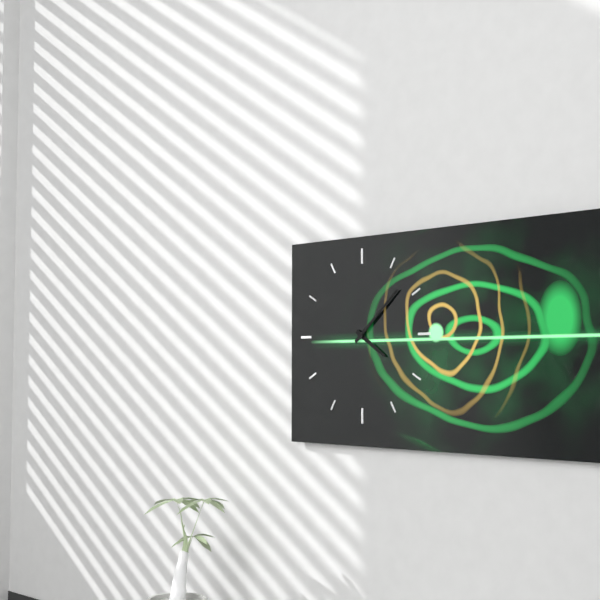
4:08
